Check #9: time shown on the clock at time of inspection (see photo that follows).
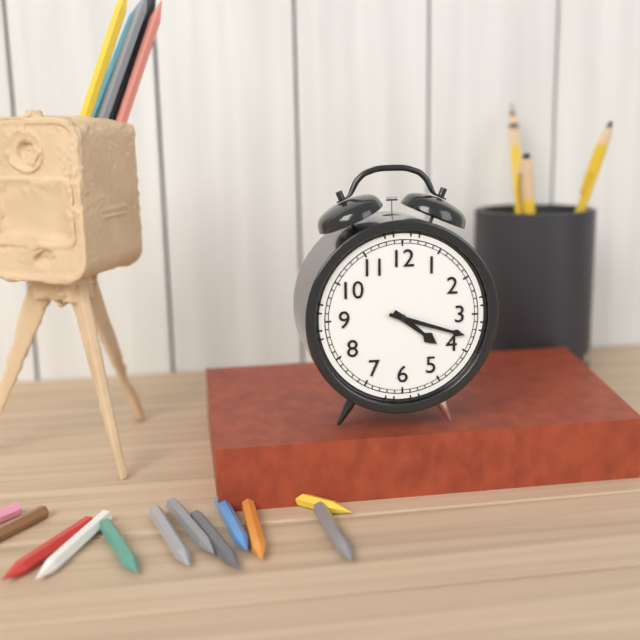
4:18
